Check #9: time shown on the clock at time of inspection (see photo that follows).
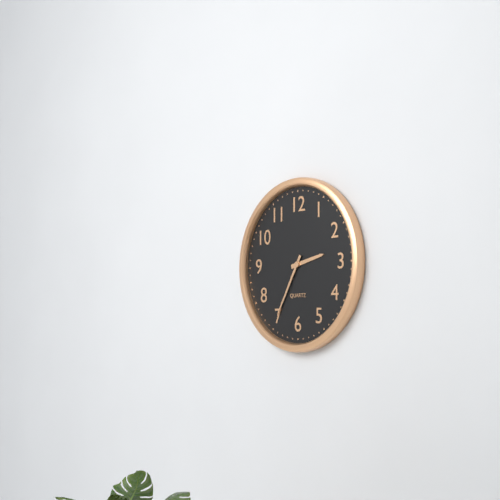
2:35
